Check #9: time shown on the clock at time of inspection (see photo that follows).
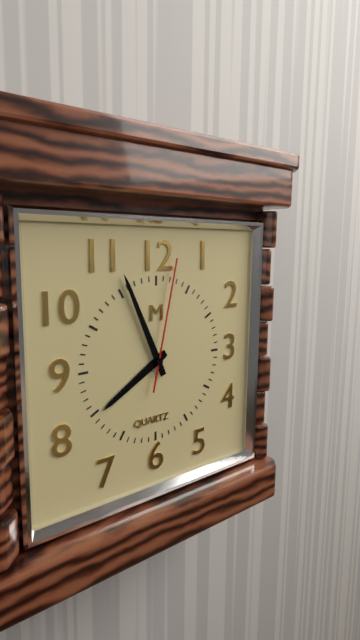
7:56:02
